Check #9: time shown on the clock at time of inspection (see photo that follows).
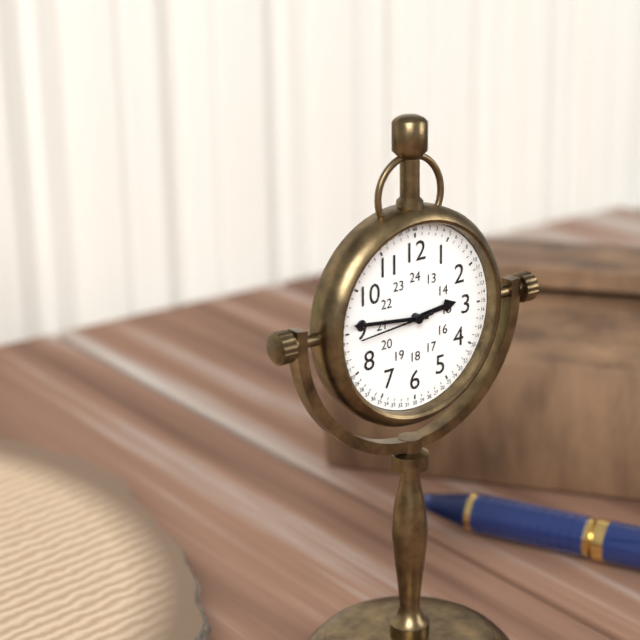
2:46:44
